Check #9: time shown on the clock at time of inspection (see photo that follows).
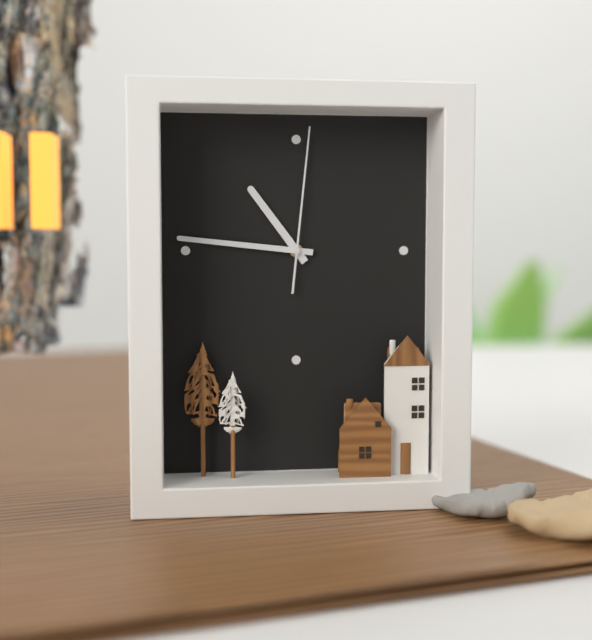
10:46:01
